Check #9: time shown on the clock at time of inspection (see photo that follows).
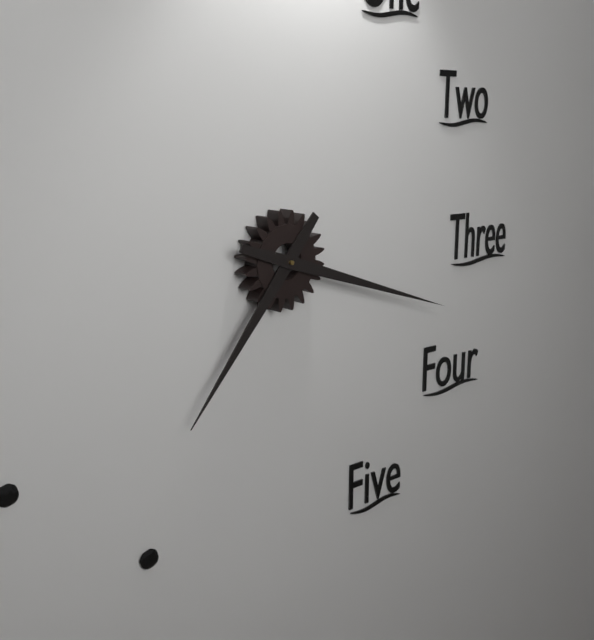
7:18
